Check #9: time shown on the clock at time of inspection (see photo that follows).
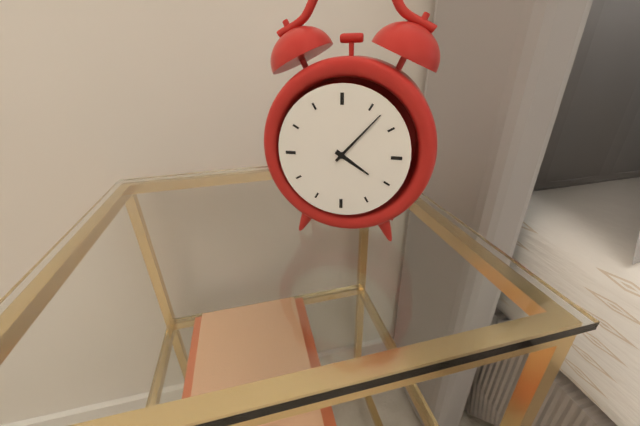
4:07
